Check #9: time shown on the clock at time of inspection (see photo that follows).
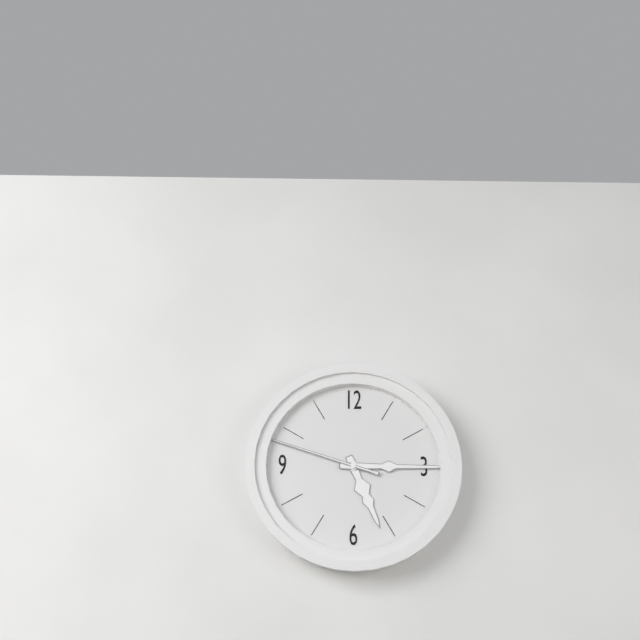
5:15:48
